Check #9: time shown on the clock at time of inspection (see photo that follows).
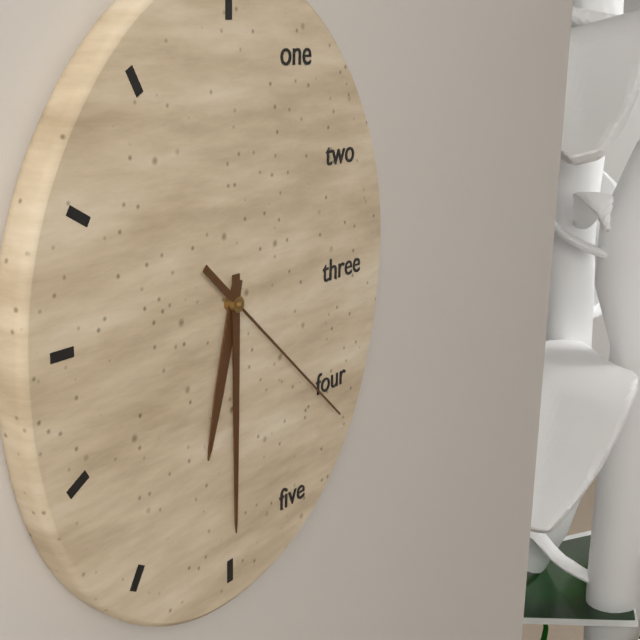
6:30:22
